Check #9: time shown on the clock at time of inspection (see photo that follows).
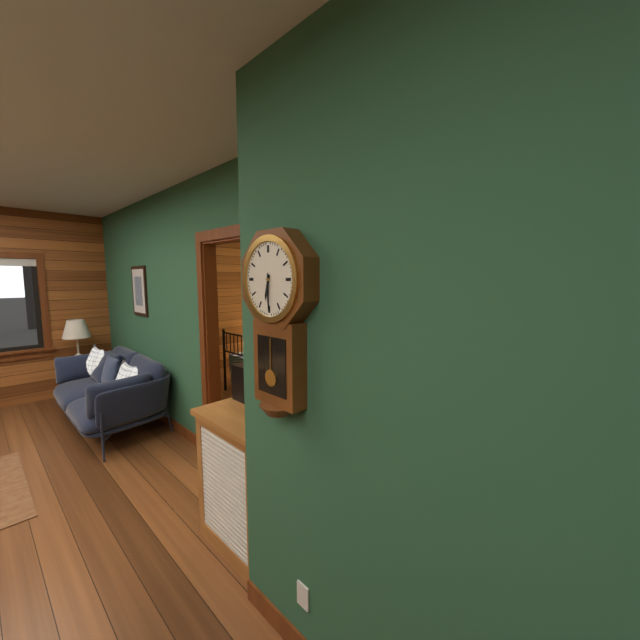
6:30
